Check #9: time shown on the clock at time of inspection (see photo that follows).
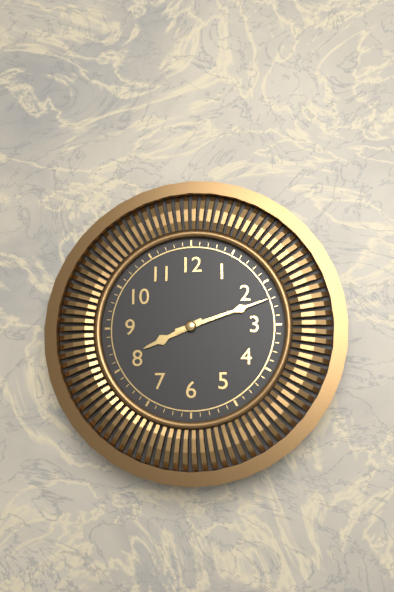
8:12
